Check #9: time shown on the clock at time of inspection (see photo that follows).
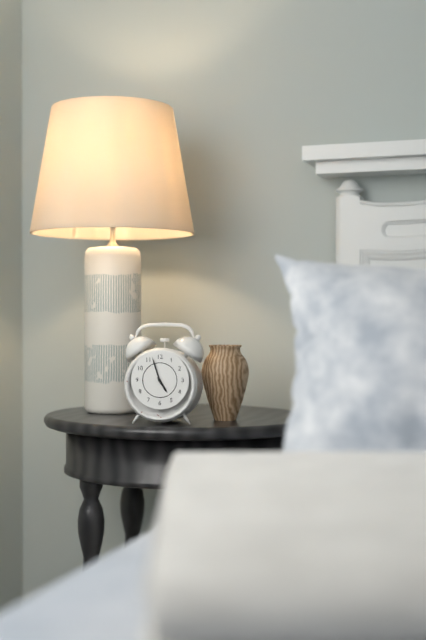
4:57
